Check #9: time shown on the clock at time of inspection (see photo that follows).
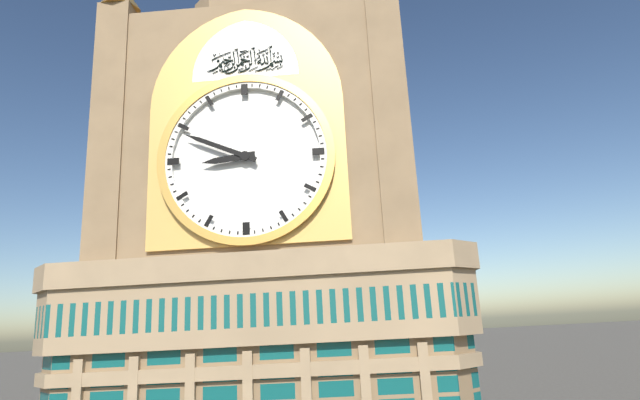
8:49
